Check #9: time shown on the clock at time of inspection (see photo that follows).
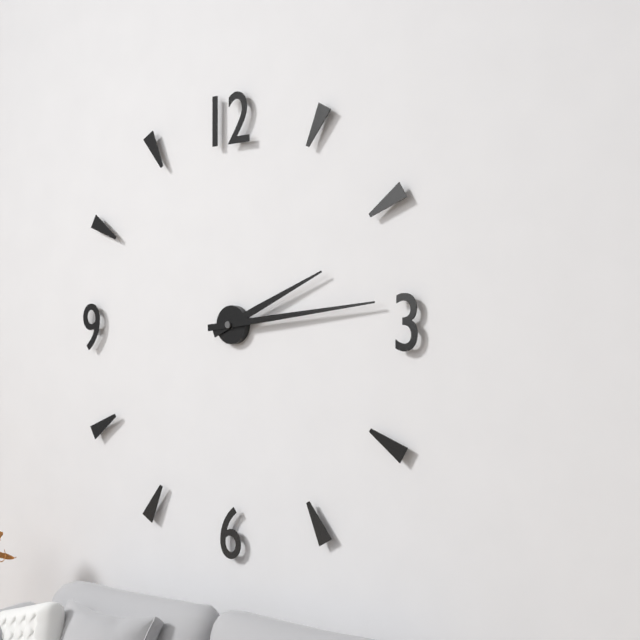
2:14
